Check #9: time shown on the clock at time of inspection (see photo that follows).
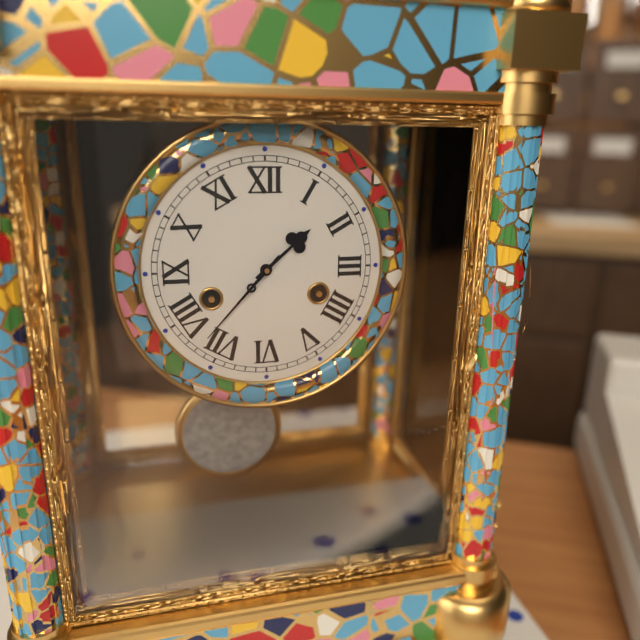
1:37
